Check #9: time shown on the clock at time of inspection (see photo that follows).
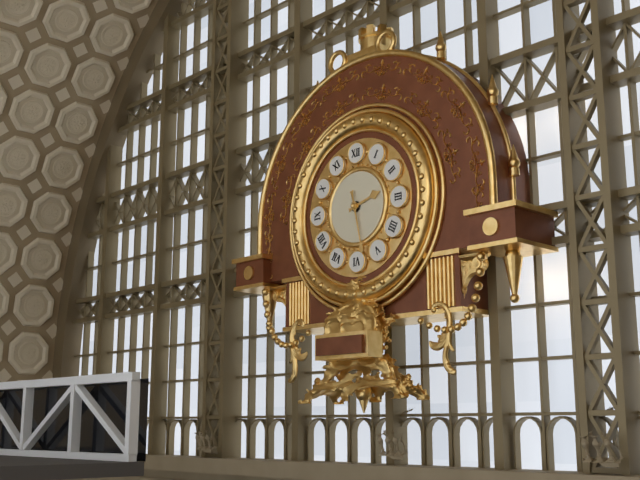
2:28
